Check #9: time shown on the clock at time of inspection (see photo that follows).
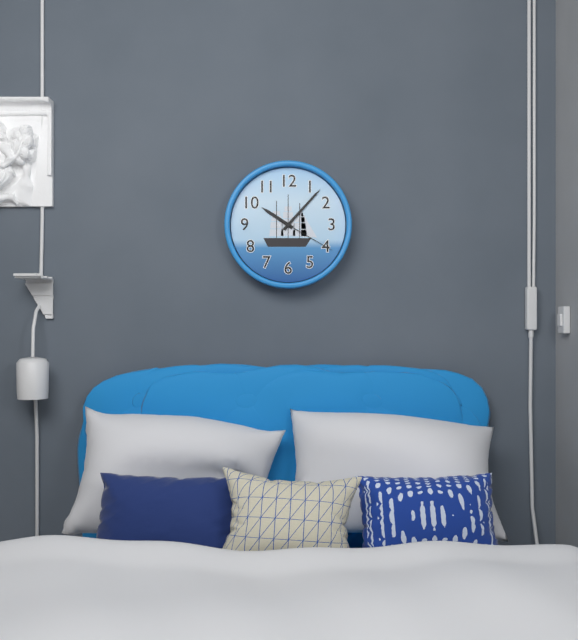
10:07:20
